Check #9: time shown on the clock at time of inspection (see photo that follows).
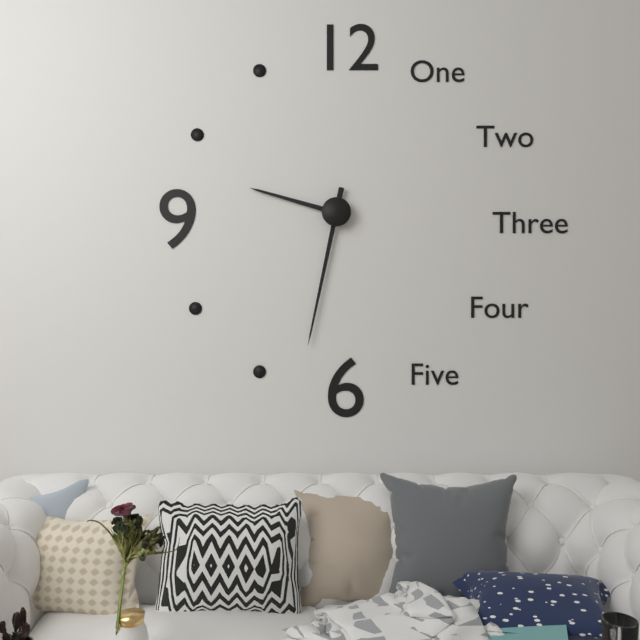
9:32
